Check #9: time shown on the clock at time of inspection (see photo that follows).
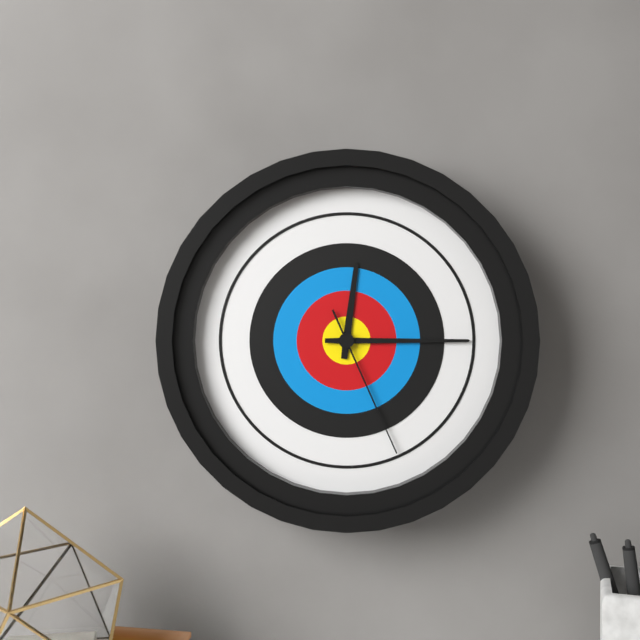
12:15:26
